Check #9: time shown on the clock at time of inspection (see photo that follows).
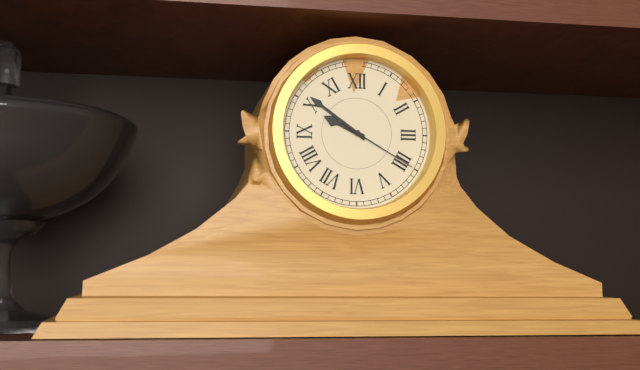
9:51:20
